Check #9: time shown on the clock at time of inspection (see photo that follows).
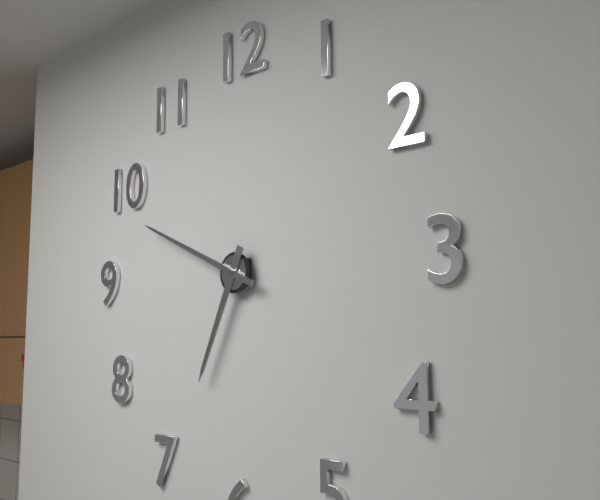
6:49
